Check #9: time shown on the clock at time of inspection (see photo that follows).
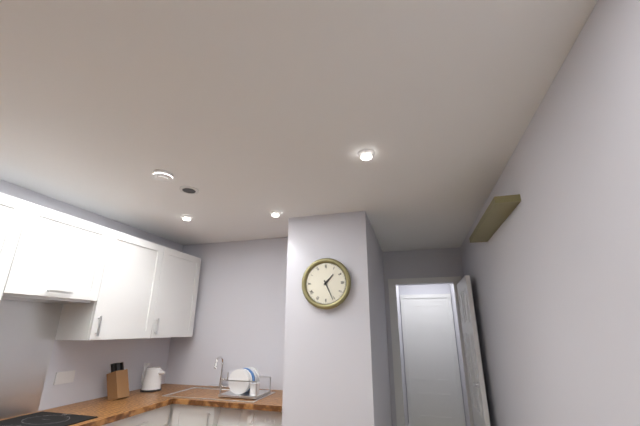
1:26
